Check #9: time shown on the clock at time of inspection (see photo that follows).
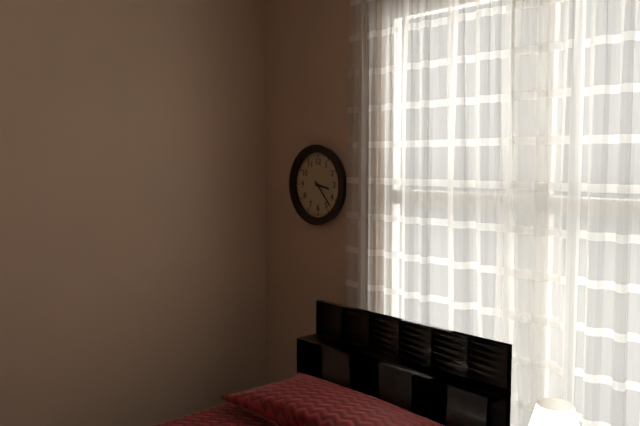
3:23
